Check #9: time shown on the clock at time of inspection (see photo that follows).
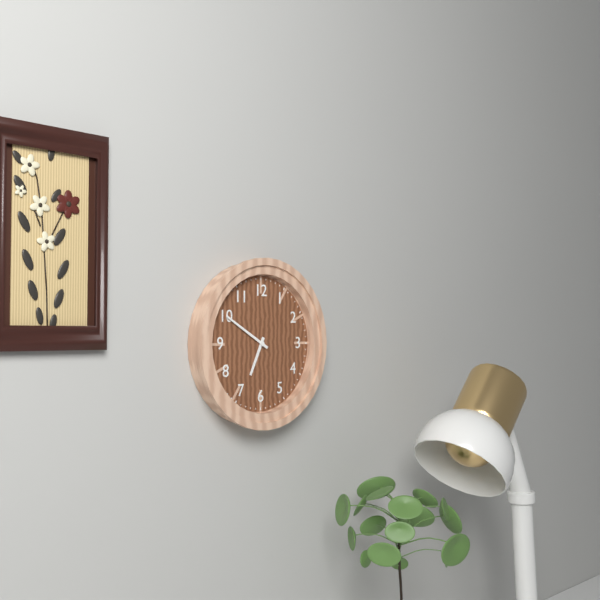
6:50
